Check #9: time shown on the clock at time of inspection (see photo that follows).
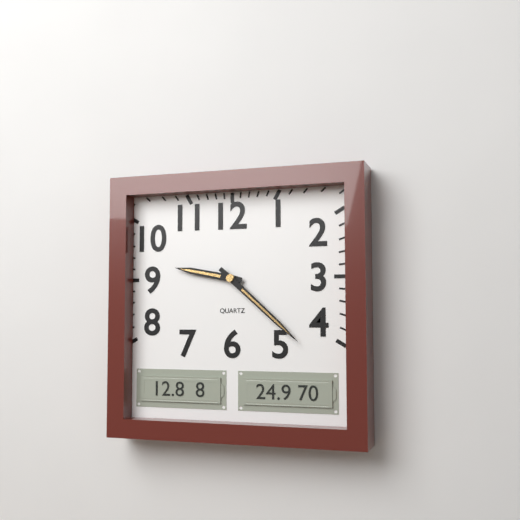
9:22
